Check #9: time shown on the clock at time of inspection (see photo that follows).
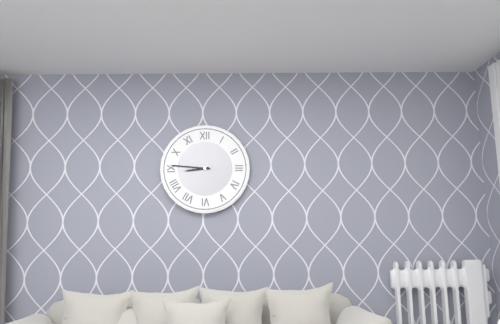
8:46
